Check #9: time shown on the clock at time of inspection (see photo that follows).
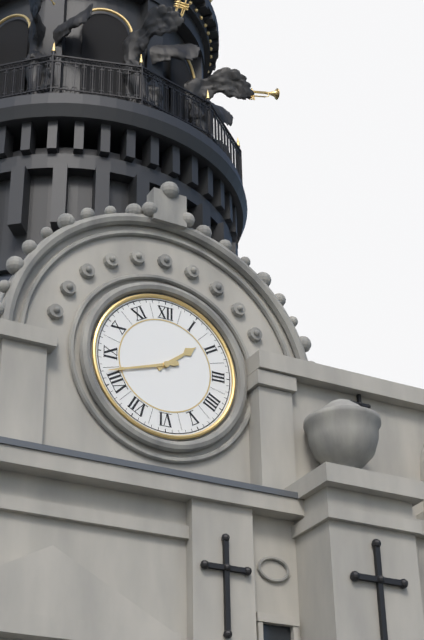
1:42
